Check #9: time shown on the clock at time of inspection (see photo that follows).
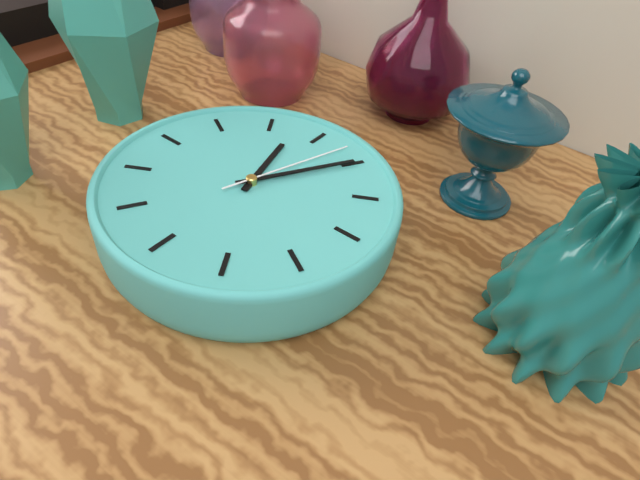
4:30:28
